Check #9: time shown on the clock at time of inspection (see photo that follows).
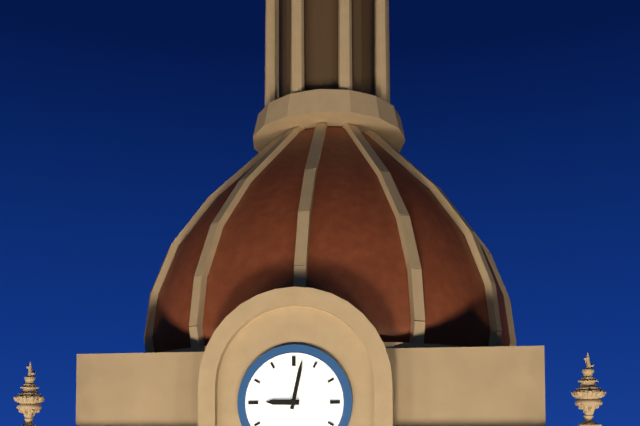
9:02
